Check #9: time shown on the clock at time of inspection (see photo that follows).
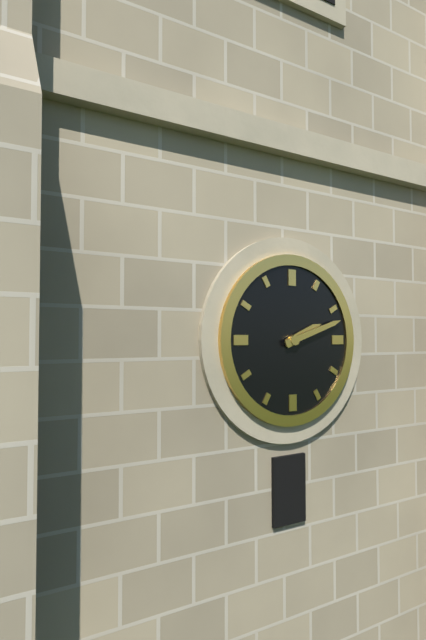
2:12
